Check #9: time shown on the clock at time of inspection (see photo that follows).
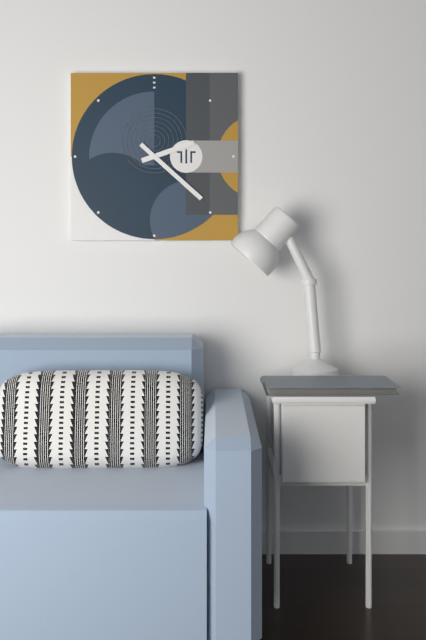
2:22
